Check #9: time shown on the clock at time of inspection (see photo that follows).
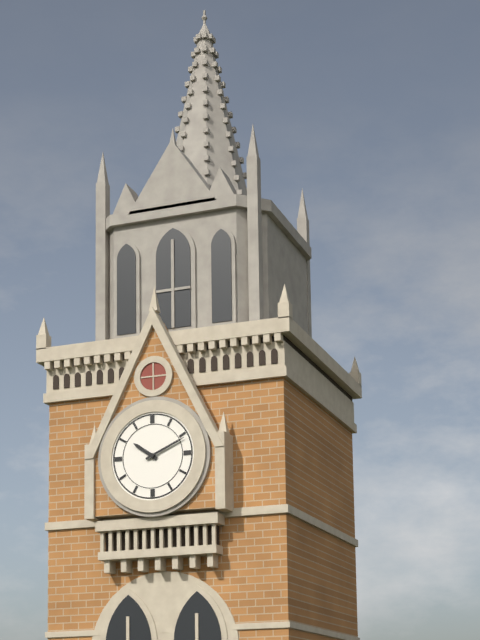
10:11
